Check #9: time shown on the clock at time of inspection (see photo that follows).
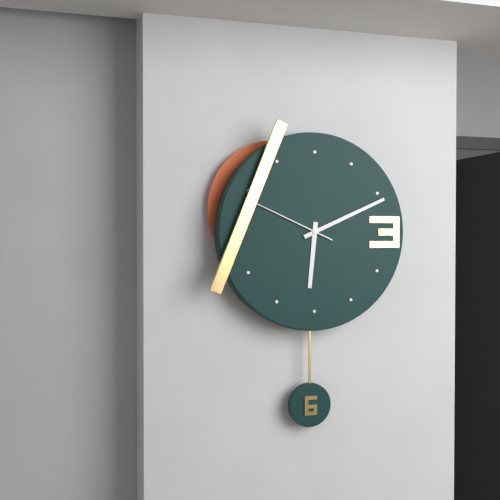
6:11:49
